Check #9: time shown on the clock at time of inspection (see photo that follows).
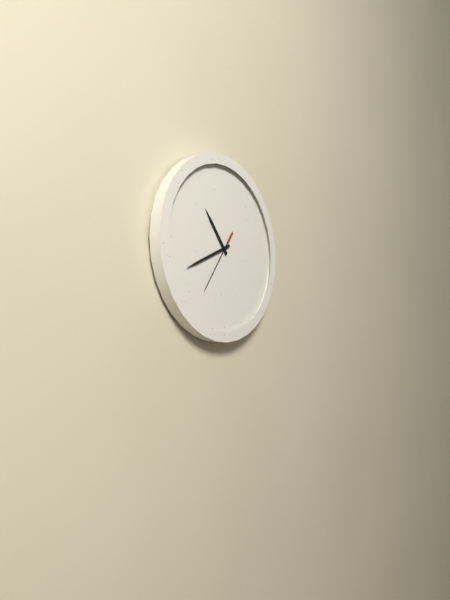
10:41:36
